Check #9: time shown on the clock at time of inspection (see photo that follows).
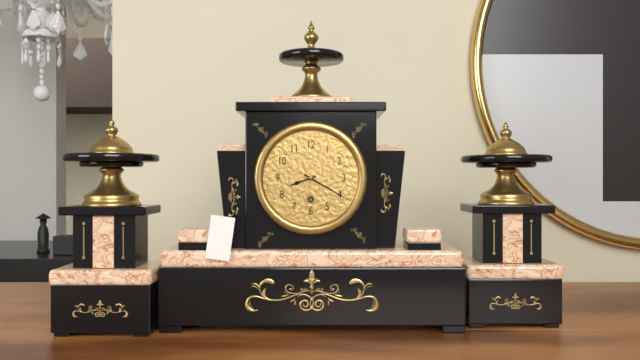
8:20
